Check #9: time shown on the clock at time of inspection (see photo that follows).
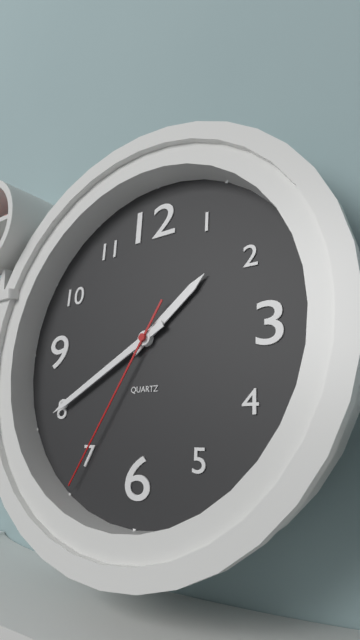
1:40:35
